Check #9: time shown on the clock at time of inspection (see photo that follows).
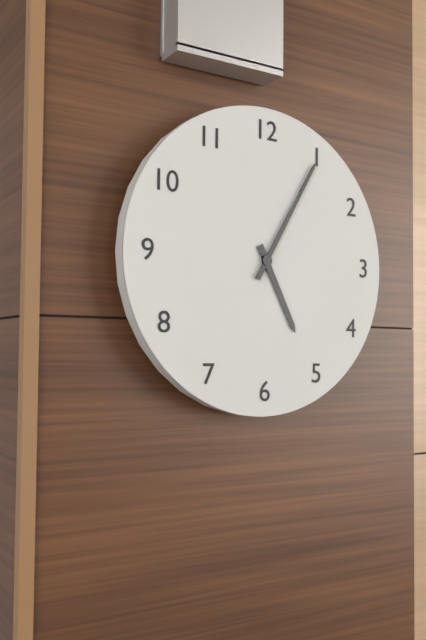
5:05
